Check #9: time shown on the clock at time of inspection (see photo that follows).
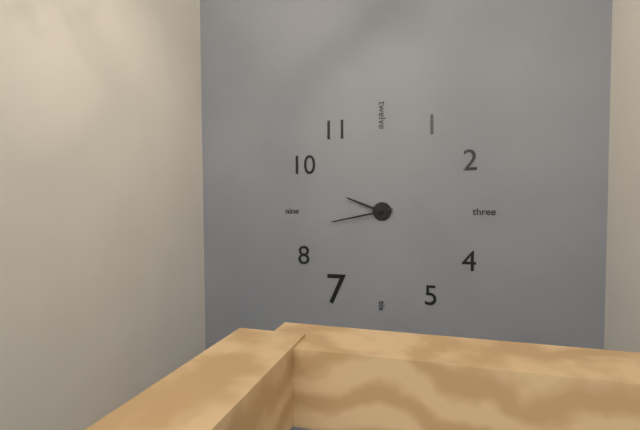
9:43
